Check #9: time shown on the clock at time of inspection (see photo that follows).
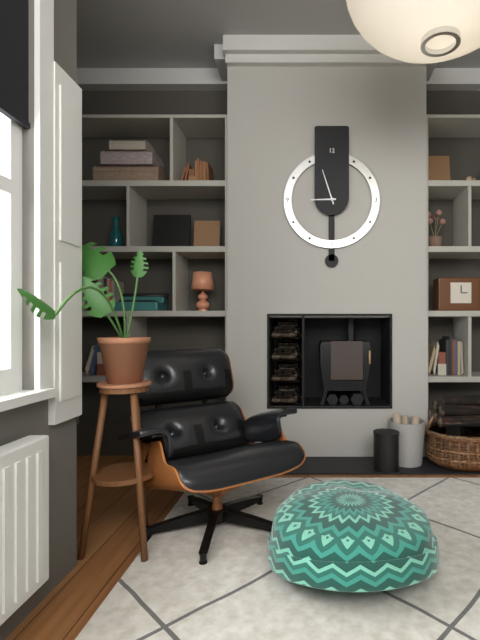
8:57
